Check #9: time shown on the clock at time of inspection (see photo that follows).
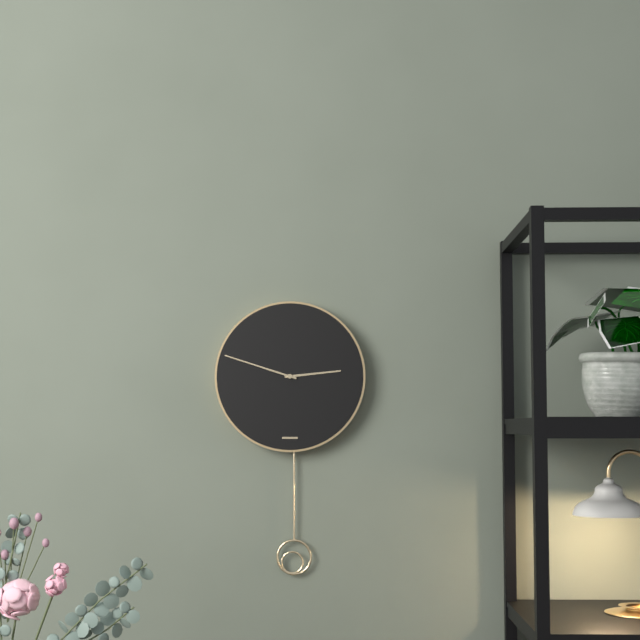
2:48
